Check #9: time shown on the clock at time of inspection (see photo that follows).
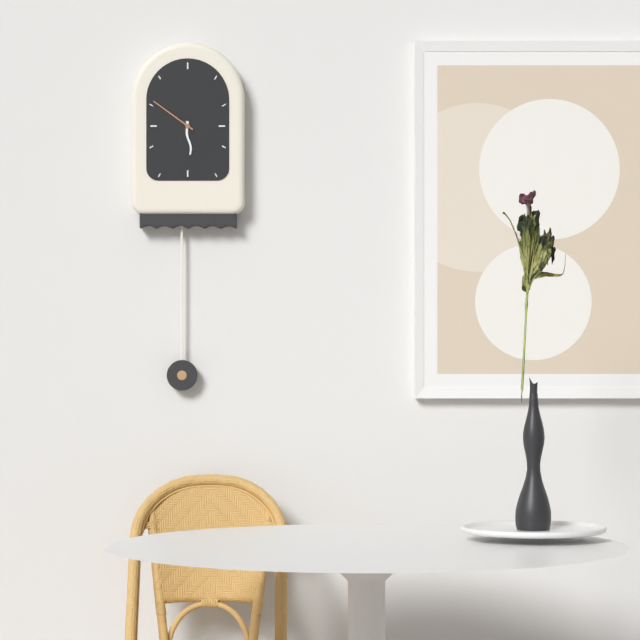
5:51
